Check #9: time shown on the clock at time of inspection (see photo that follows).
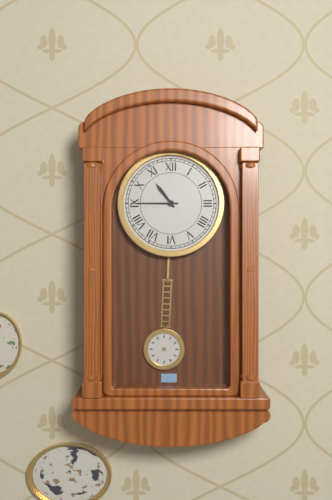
10:45
